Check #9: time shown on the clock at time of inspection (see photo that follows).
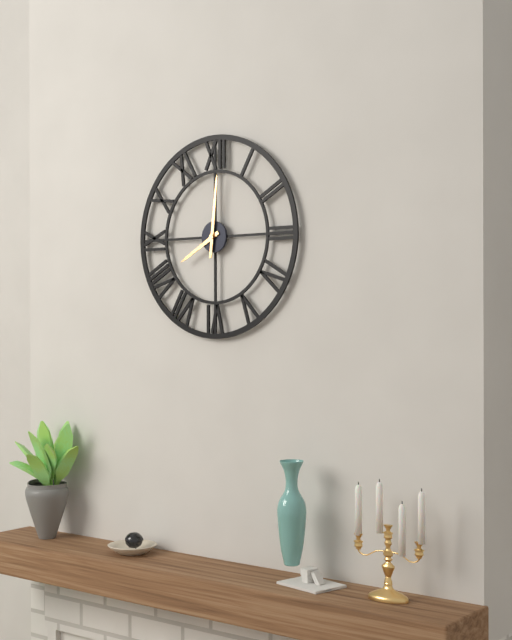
8:01
